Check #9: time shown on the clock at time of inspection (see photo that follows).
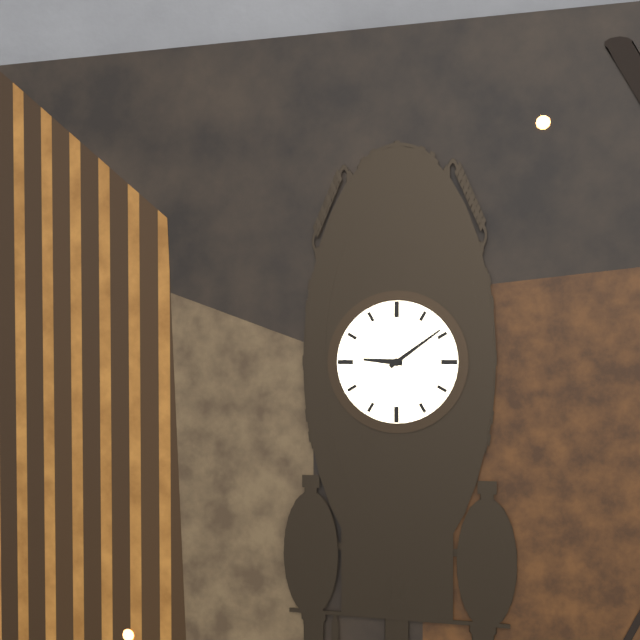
9:09
